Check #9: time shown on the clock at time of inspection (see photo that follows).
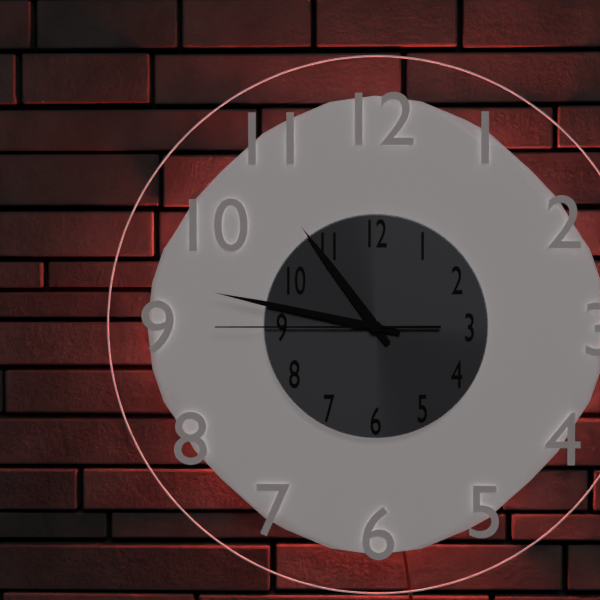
10:47:45
